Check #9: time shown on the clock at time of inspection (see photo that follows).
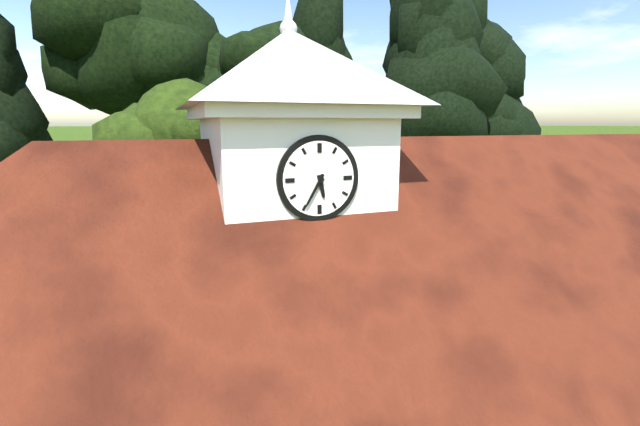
5:35
